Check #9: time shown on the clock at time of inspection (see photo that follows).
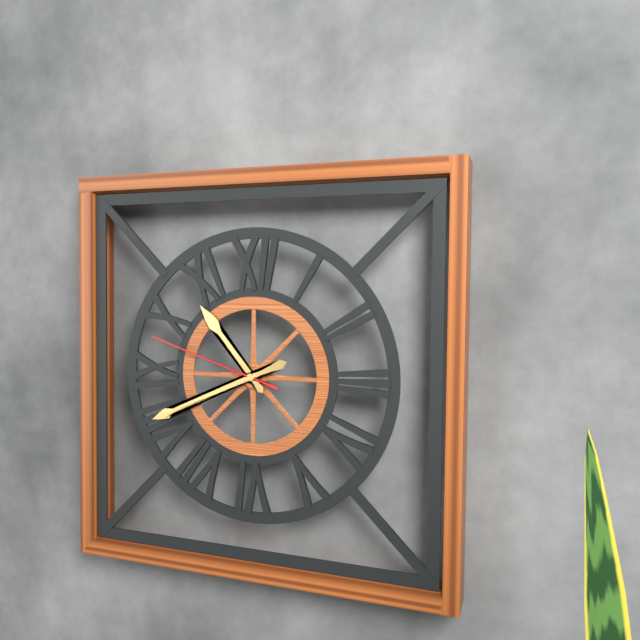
10:41:48
